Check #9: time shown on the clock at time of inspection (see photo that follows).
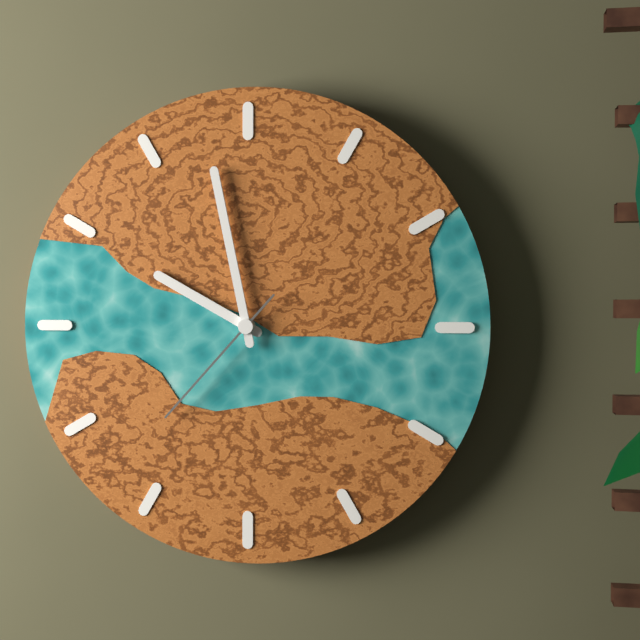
9:58:37
